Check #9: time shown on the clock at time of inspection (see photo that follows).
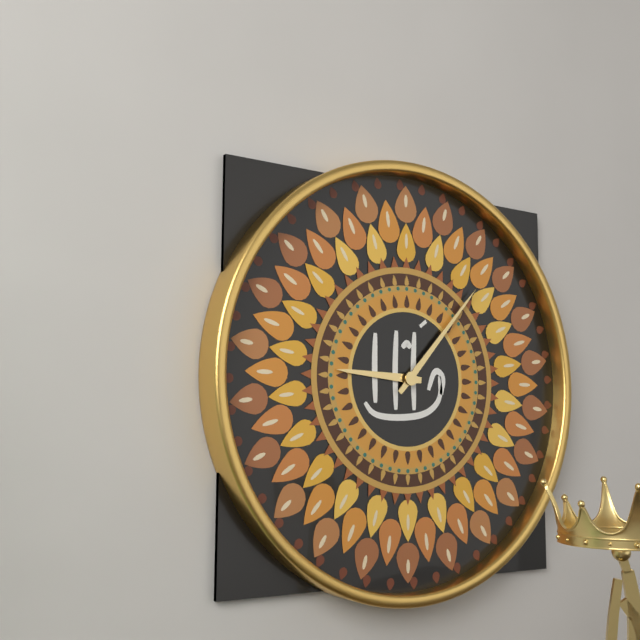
9:07
